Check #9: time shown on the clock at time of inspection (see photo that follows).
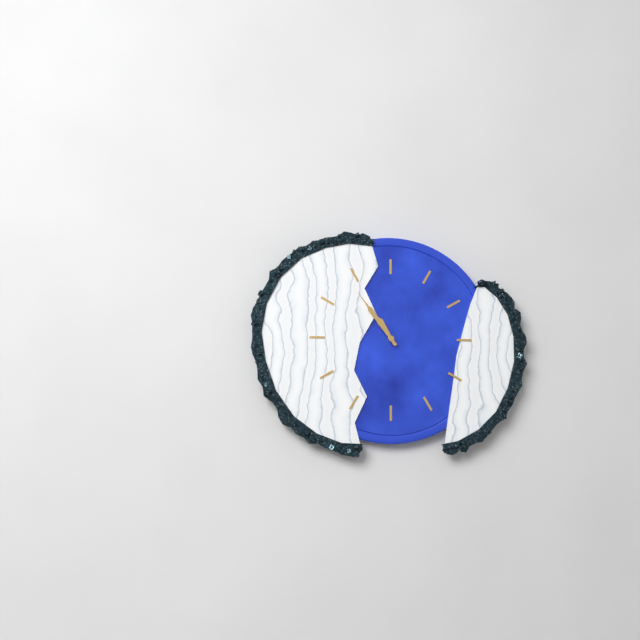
10:54
